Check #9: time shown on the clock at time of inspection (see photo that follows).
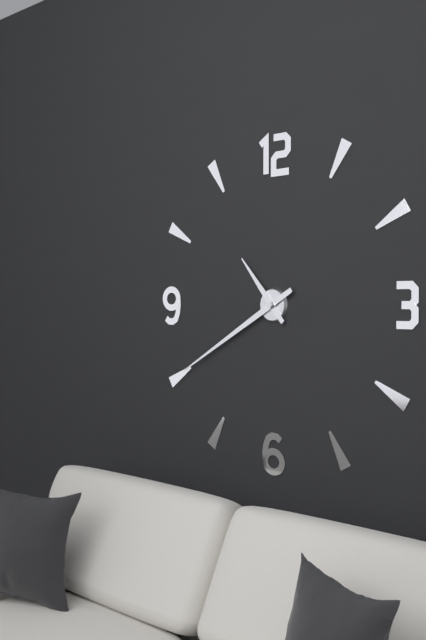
10:40
